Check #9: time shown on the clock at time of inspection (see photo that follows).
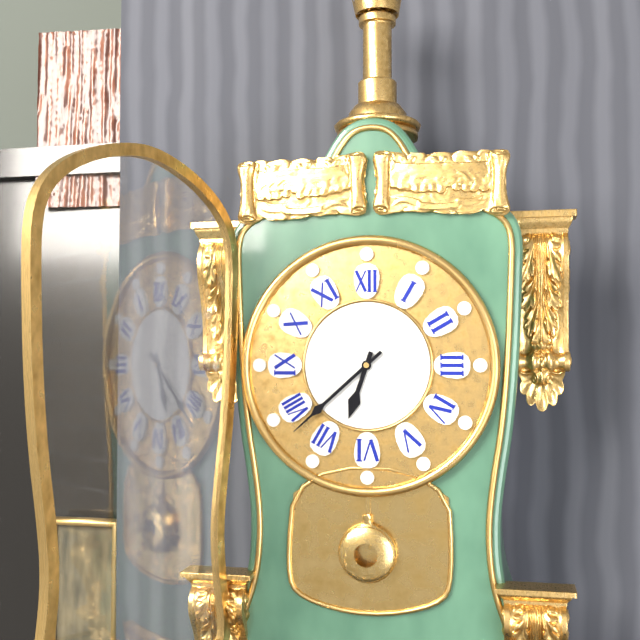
6:38
